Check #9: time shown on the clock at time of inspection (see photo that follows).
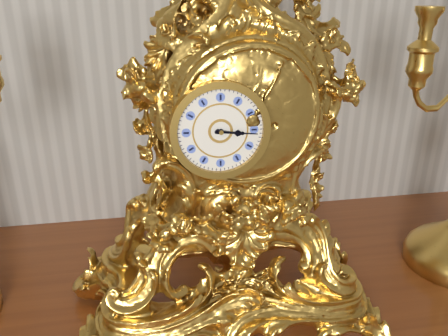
3:16
